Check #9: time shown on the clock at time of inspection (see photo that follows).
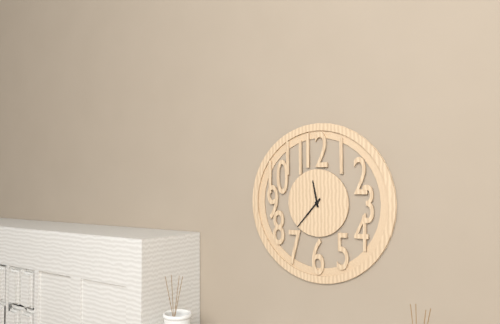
11:37
